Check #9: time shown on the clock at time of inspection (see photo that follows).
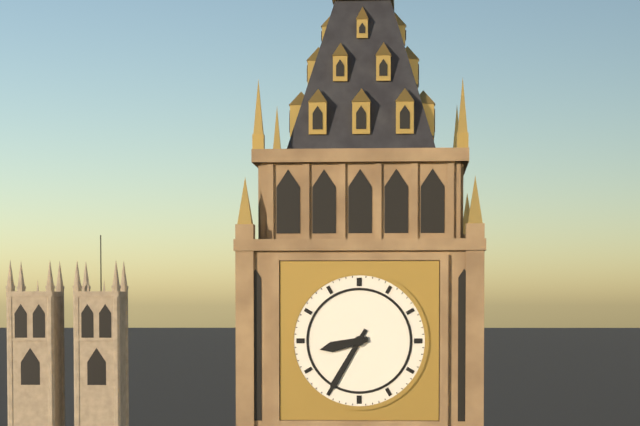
8:35
